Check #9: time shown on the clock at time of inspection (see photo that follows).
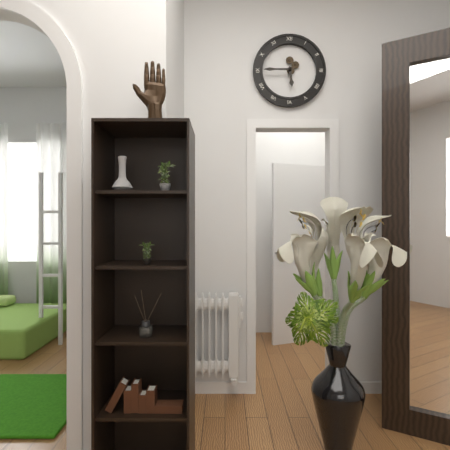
5:45
